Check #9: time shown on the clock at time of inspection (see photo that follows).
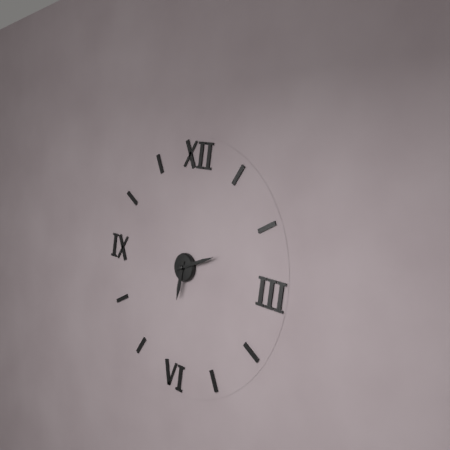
6:11
